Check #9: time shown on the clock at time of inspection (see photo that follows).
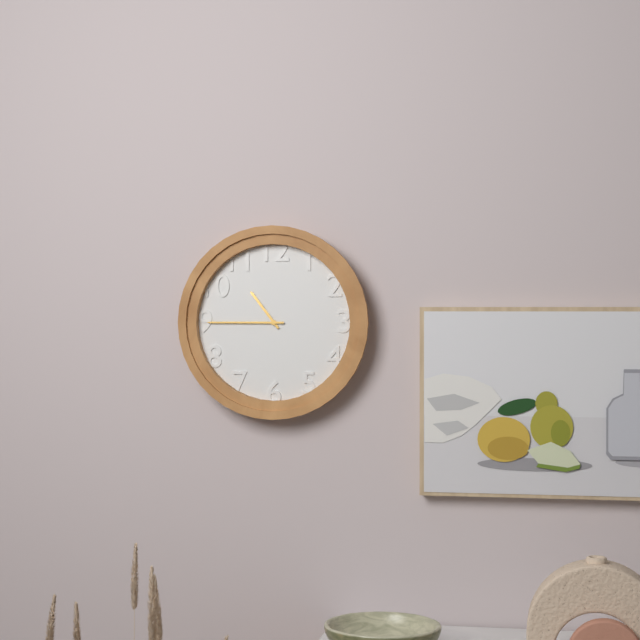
10:45
